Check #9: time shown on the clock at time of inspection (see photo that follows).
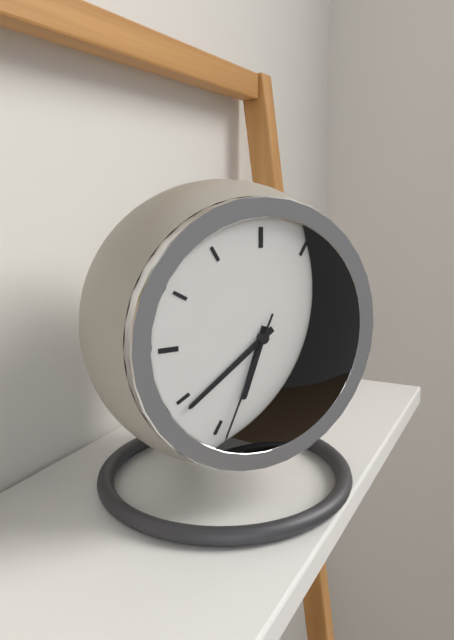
6:39:34
